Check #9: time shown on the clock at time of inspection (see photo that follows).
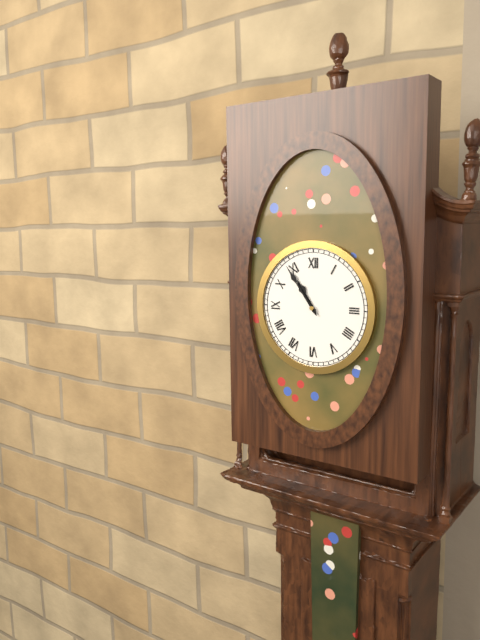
10:54
